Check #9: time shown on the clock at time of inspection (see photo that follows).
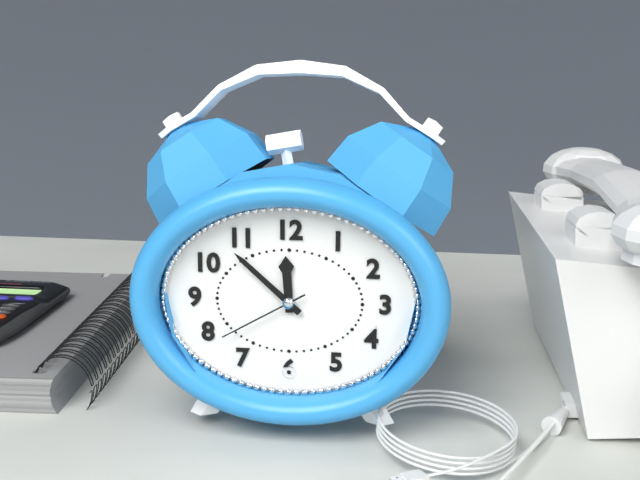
11:52:40
